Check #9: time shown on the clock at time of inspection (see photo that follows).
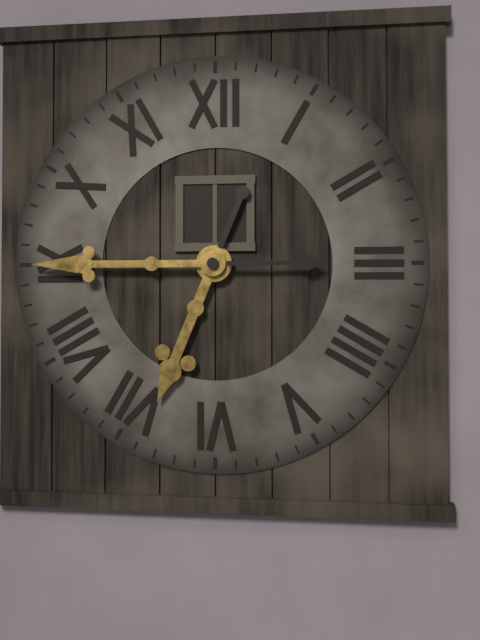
6:45
